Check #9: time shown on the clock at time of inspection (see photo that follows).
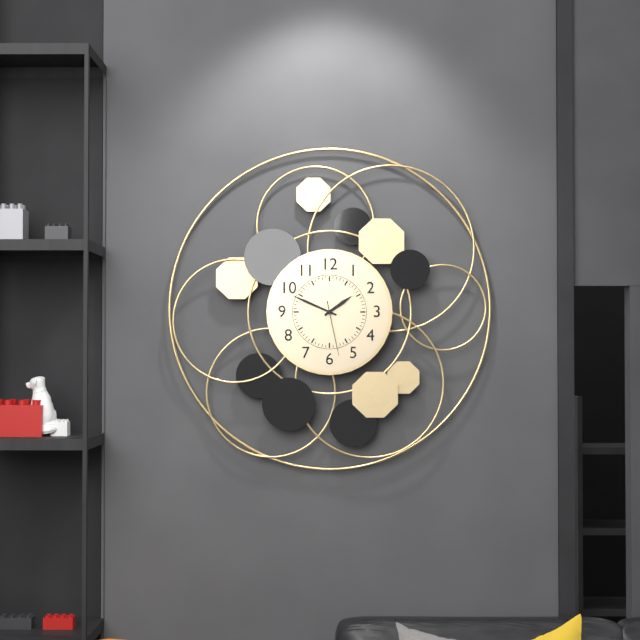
1:49:28
